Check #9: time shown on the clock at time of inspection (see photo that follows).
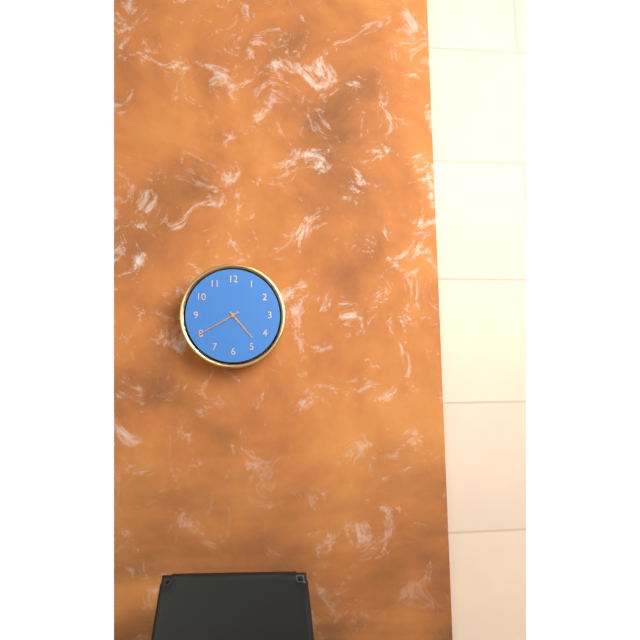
4:40
